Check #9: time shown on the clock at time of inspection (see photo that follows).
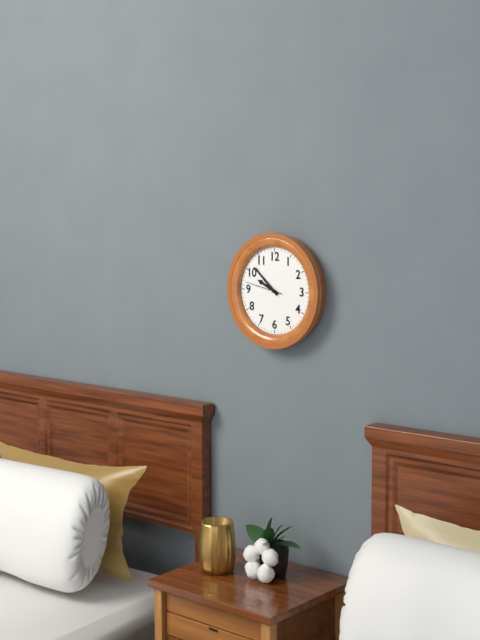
9:52
